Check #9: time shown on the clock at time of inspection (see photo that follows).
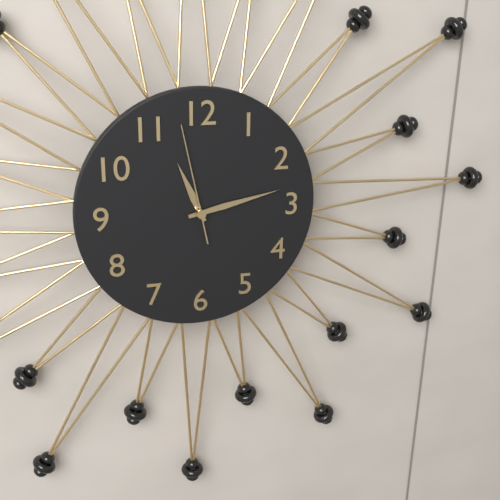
11:13:58
